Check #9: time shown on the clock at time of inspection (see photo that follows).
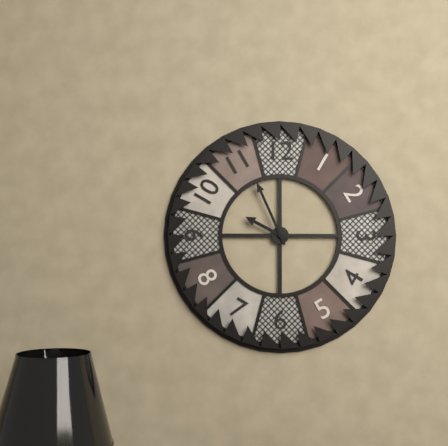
9:56
